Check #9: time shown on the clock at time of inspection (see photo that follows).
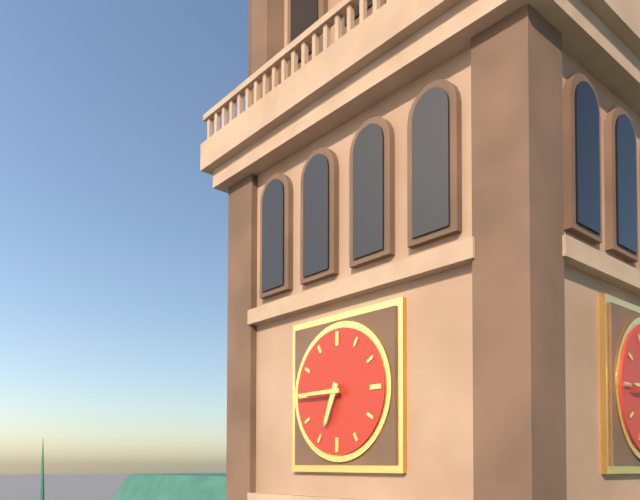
6:45
